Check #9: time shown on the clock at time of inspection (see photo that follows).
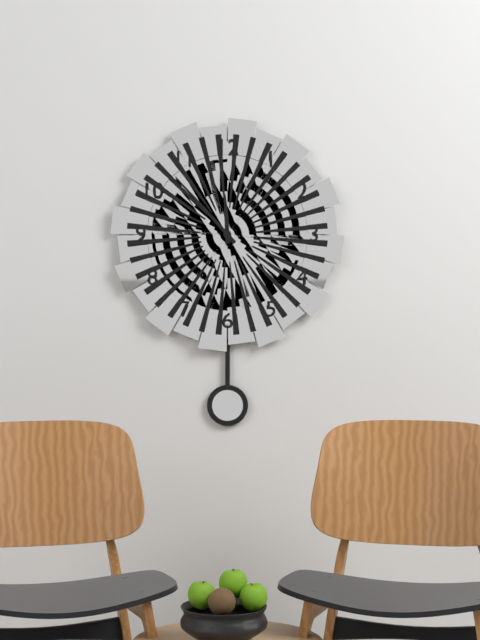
11:53
